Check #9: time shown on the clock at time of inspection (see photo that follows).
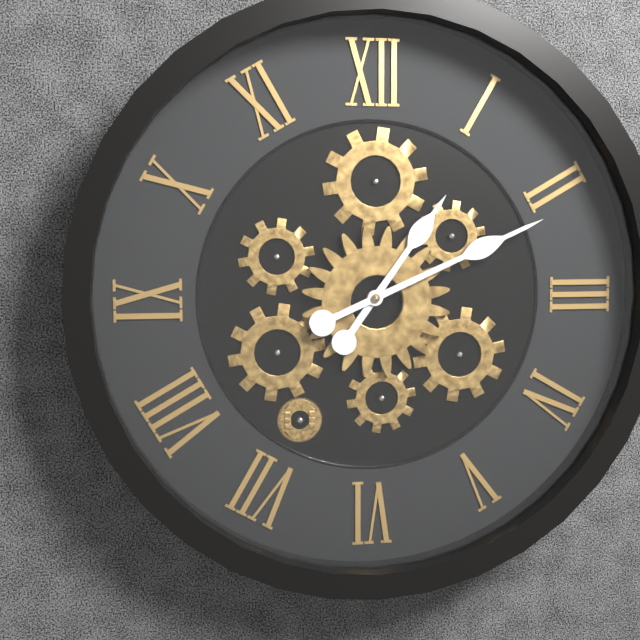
1:11
